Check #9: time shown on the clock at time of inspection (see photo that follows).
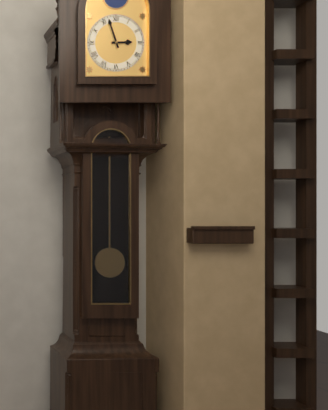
2:57
